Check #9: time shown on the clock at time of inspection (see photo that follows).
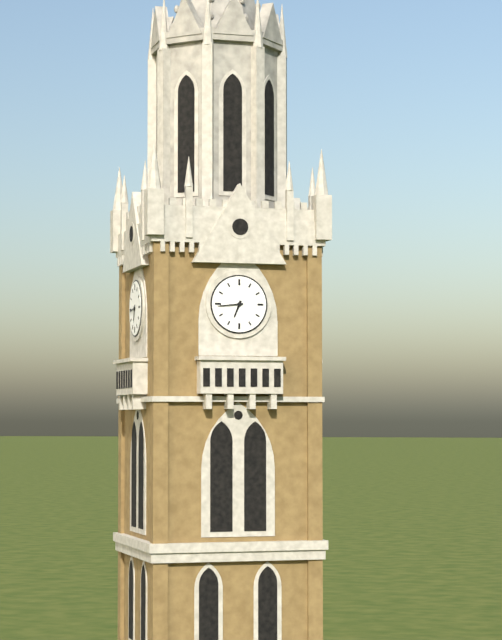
6:44
